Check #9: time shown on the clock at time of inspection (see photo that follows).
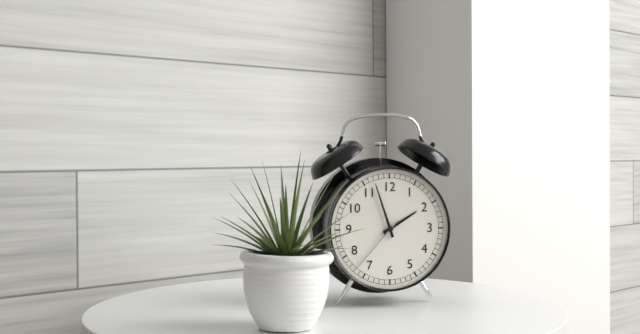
1:57:37
